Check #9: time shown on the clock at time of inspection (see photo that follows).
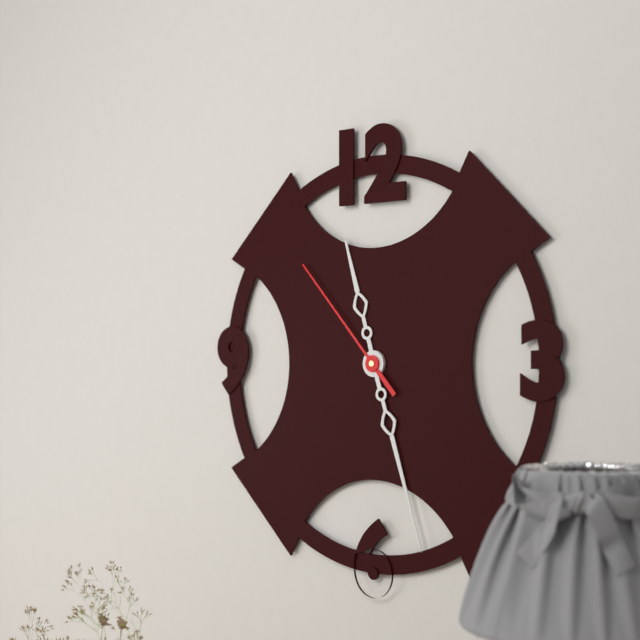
11:27:53
